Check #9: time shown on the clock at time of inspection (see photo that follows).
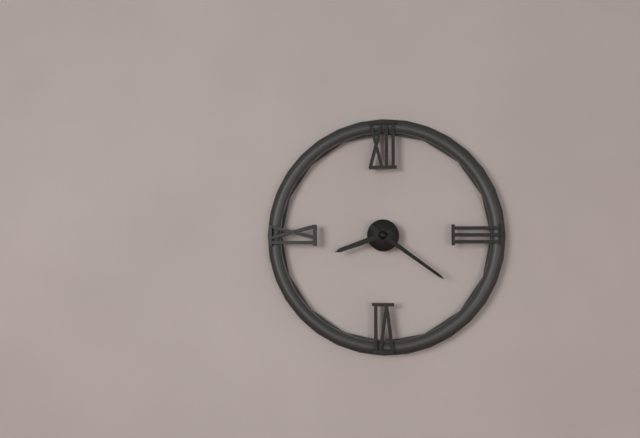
8:21
